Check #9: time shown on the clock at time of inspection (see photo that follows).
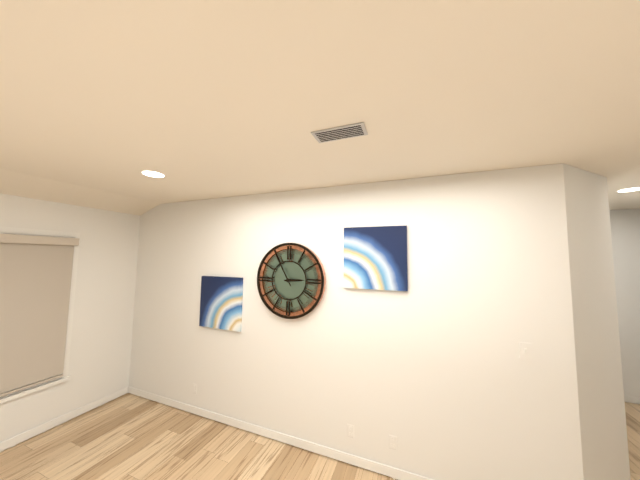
2:55
